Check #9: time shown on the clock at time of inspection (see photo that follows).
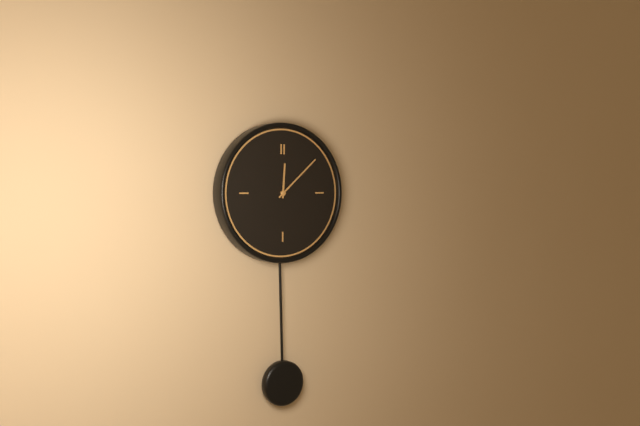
12:08
